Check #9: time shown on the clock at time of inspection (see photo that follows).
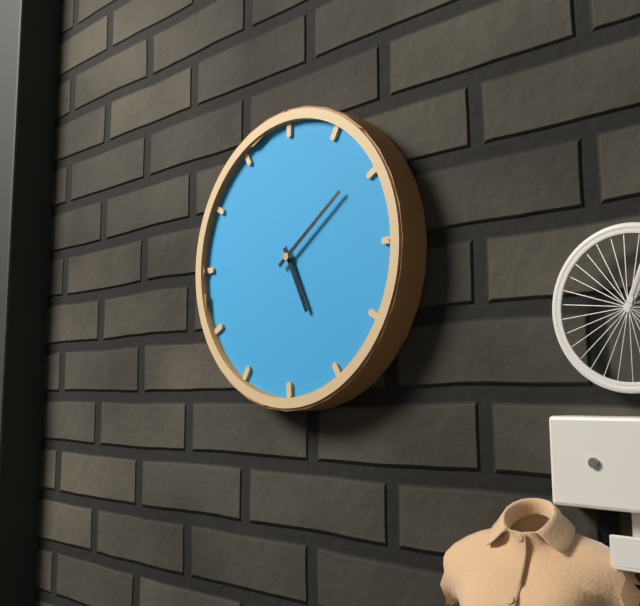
5:09
